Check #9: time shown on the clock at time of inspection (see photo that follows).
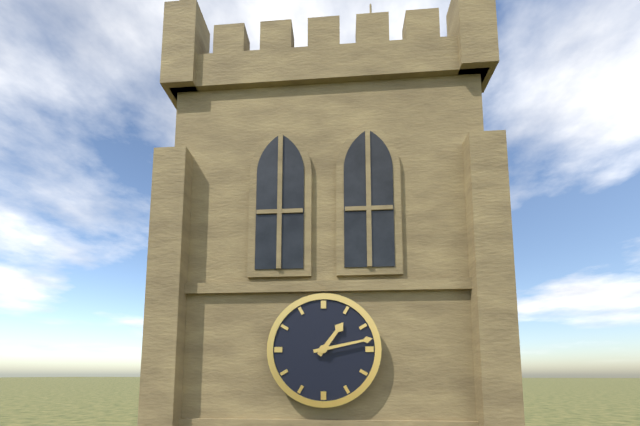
1:13
